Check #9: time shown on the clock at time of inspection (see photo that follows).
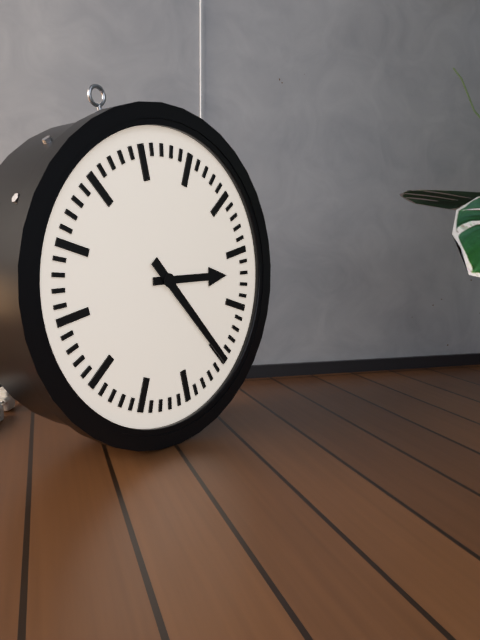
3:25
